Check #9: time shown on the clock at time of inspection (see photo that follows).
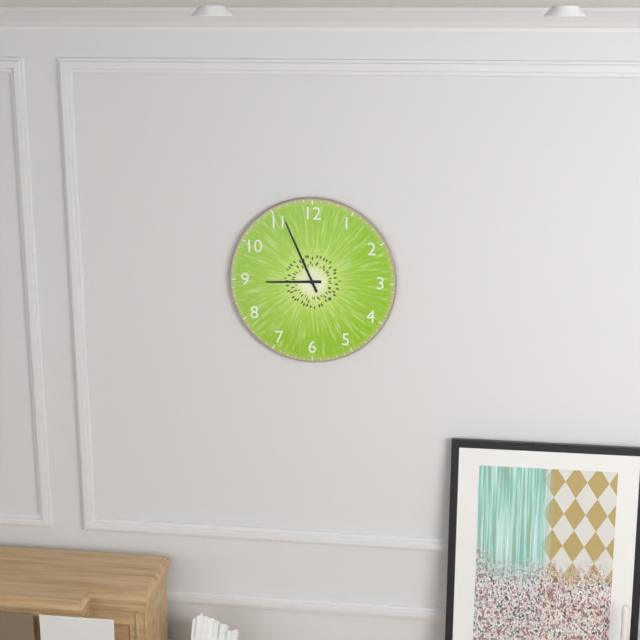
8:56
